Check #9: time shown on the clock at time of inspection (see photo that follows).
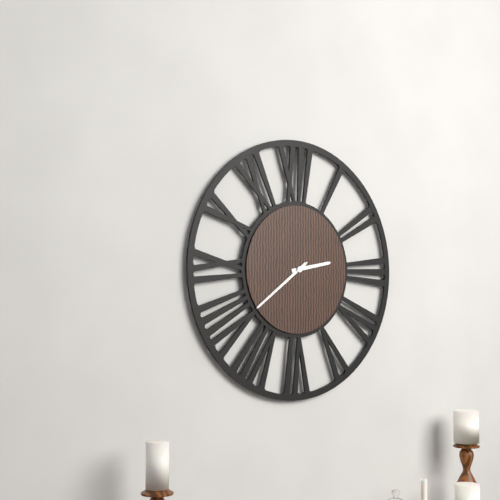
2:39:39
